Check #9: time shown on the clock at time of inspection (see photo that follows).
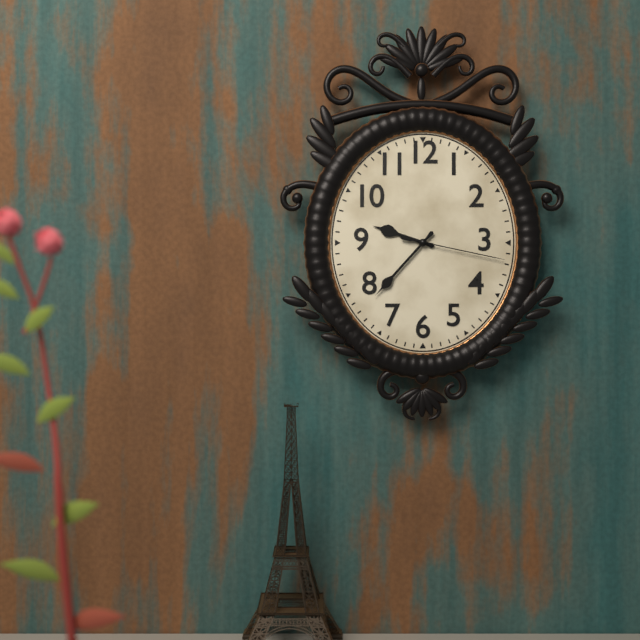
9:37:17
